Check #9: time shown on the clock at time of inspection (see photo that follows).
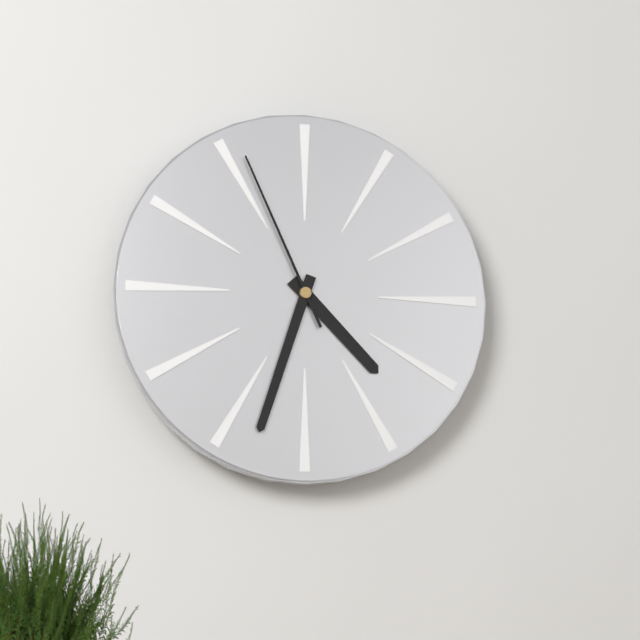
4:33:56
